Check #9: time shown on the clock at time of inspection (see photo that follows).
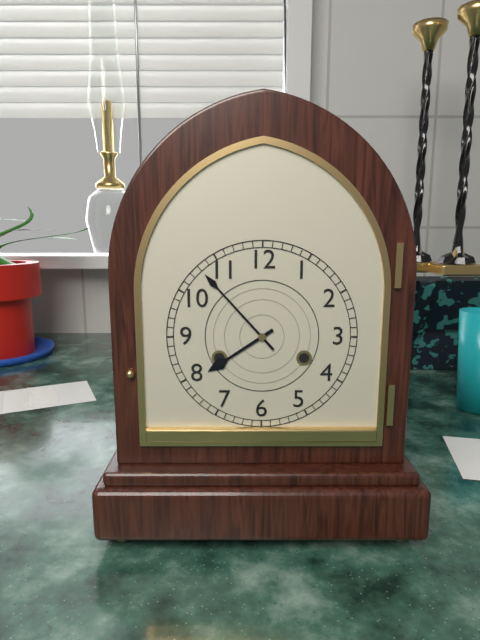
7:53
